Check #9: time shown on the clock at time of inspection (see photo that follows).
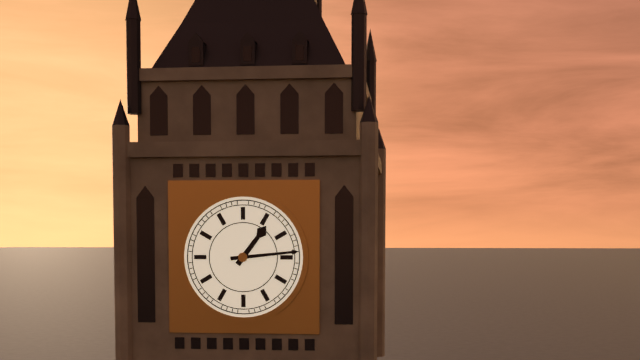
1:14
